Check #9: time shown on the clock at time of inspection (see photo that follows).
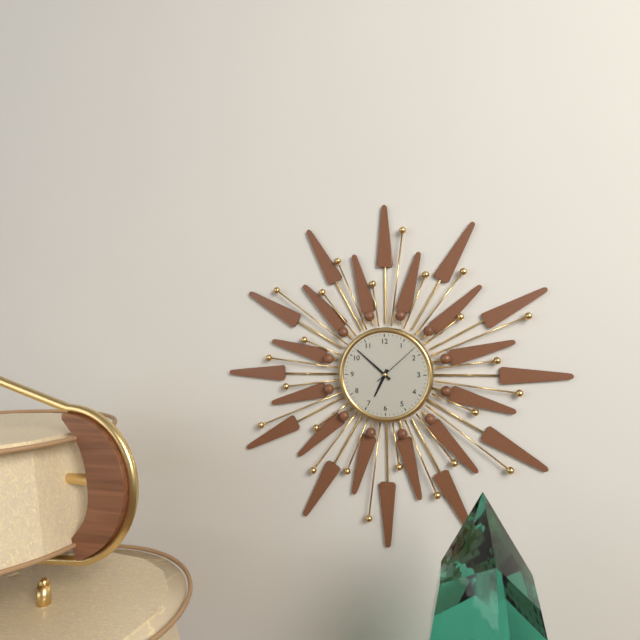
6:52
